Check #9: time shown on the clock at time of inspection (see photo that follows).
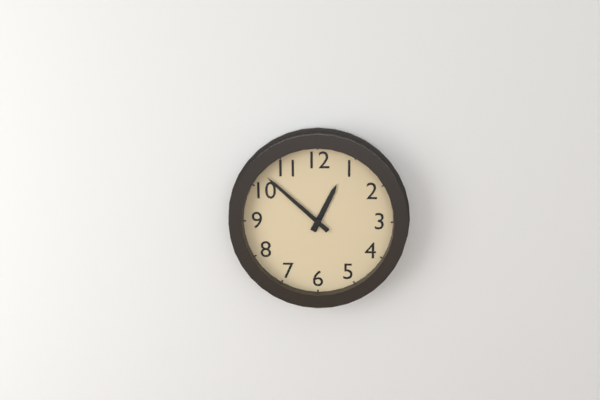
12:52
